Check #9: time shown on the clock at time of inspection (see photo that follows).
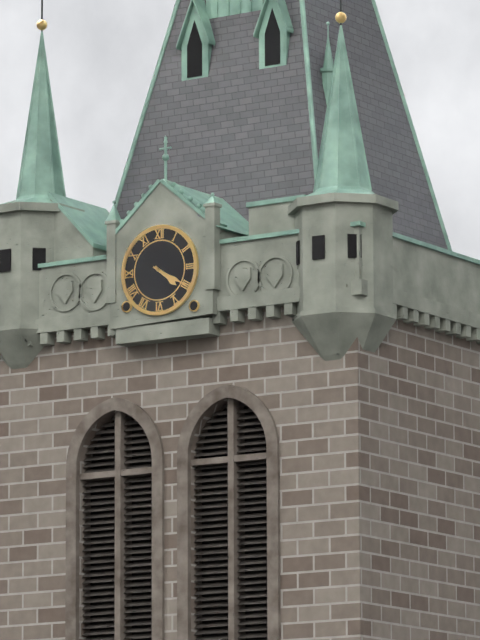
4:20
